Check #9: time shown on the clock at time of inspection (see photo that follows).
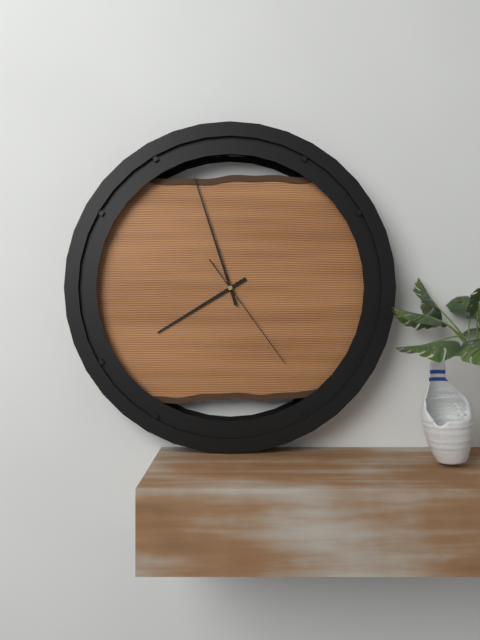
7:57:24
